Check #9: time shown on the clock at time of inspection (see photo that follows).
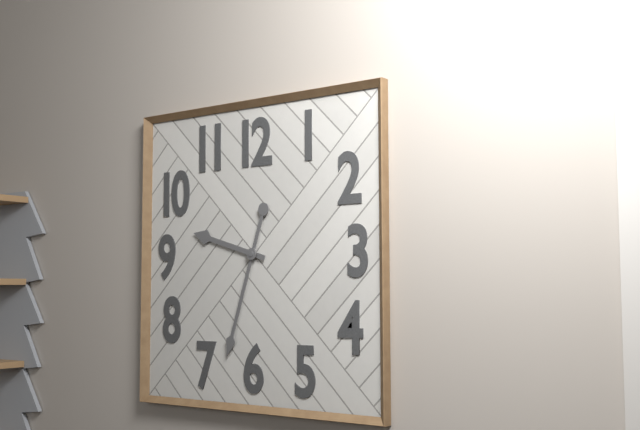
9:33
